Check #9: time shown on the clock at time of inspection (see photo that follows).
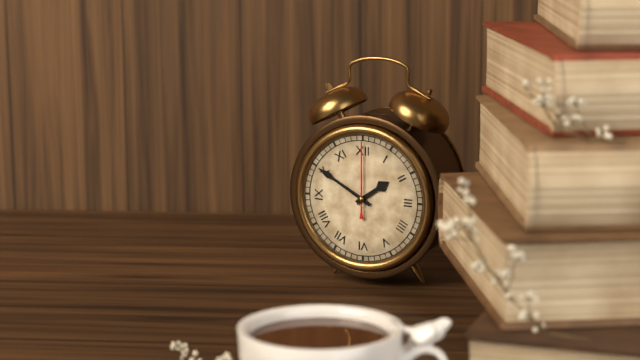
1:50:00
